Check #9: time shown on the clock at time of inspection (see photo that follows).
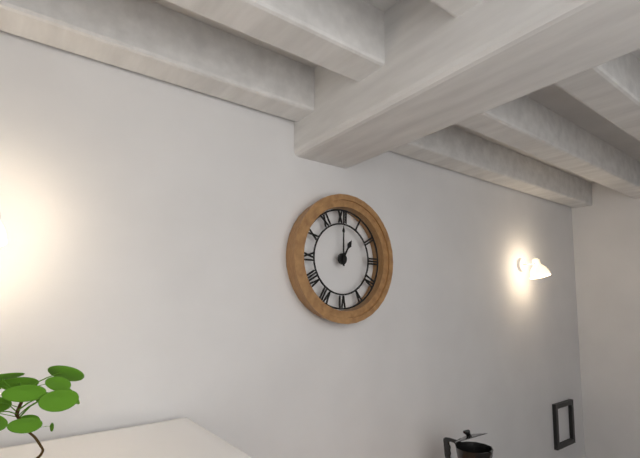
1:00
